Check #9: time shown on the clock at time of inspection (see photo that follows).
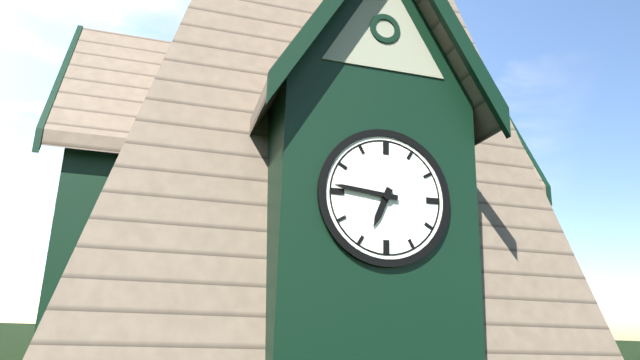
6:46
